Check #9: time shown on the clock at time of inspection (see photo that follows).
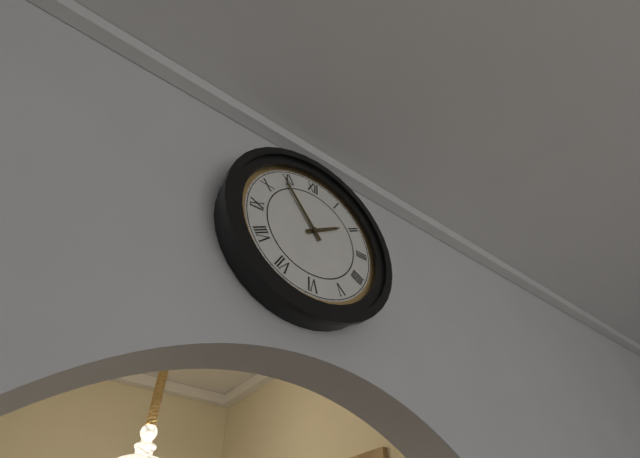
1:54
